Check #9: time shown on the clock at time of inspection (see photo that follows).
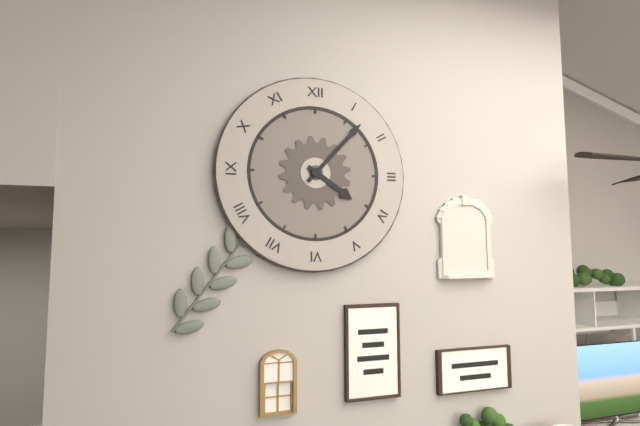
4:07
